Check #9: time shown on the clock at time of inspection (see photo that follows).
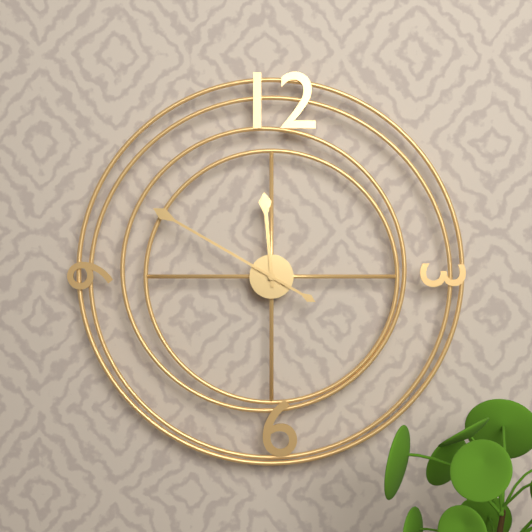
11:50
